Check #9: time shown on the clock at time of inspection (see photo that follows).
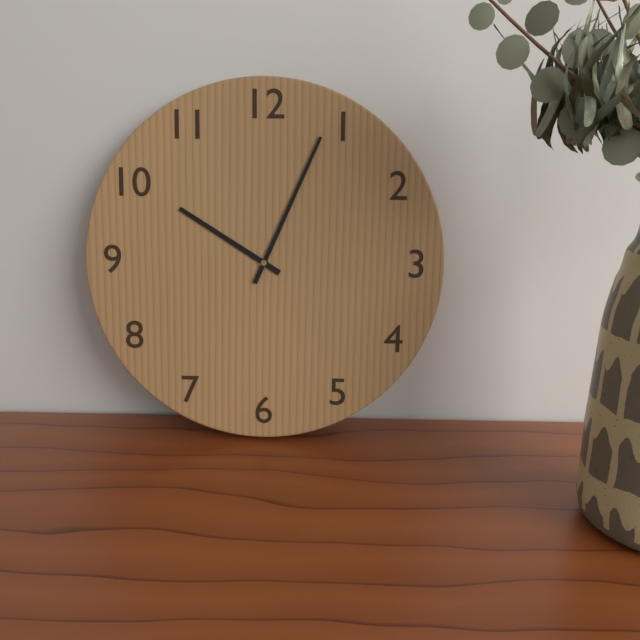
10:04
